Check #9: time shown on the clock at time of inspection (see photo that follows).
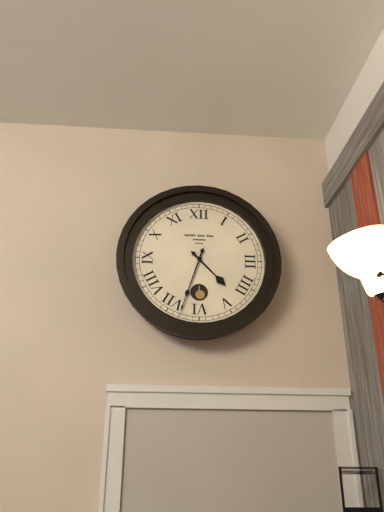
4:33
